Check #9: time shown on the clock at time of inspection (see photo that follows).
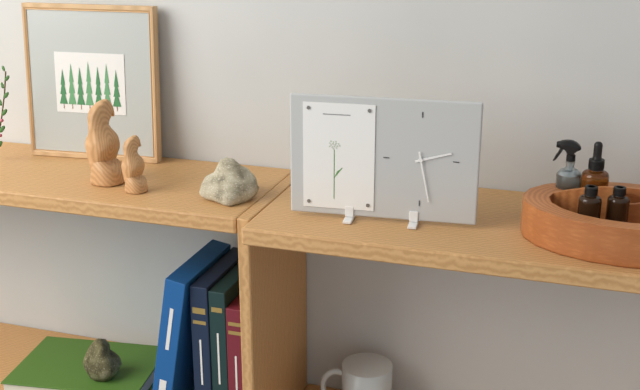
2:28
